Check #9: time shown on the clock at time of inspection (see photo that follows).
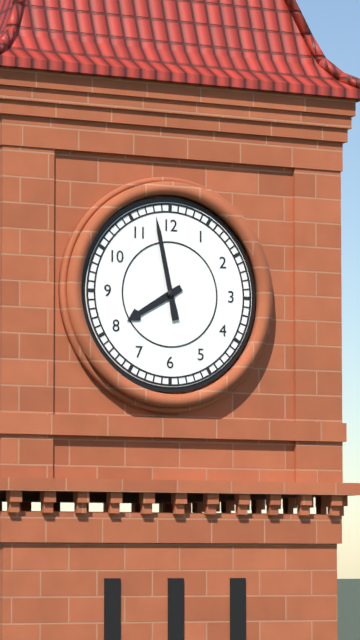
7:58
